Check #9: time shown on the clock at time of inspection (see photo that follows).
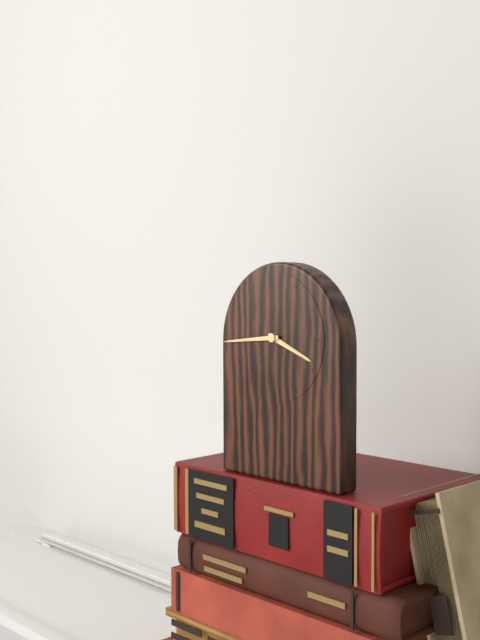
3:44
